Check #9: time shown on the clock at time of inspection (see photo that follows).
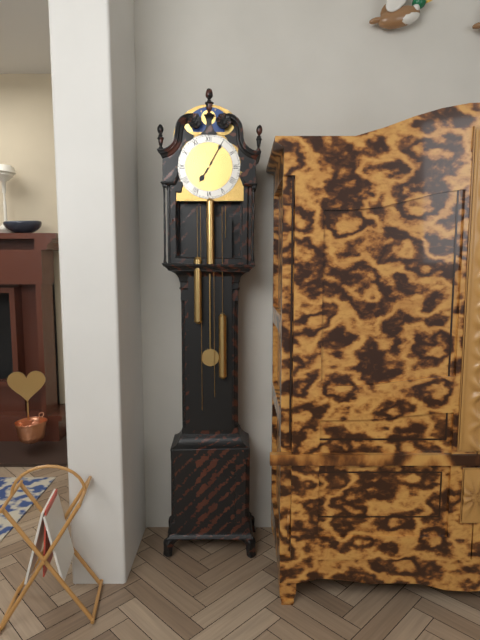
7:05
